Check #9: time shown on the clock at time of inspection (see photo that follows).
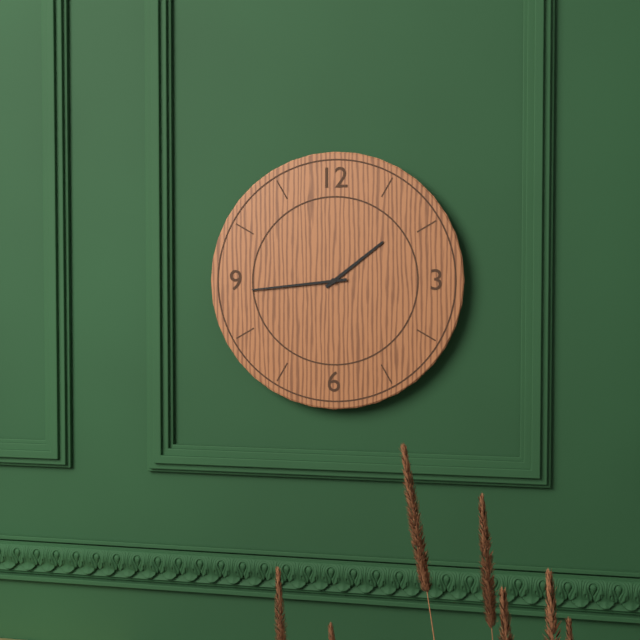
1:44
